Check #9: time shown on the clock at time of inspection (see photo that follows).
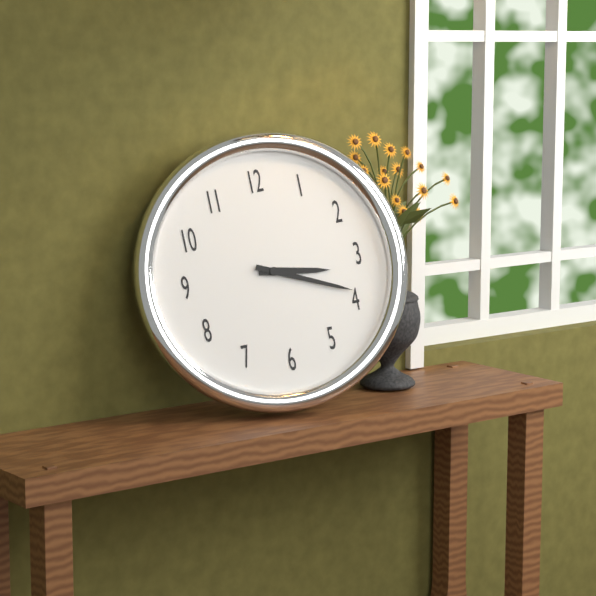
3:19
